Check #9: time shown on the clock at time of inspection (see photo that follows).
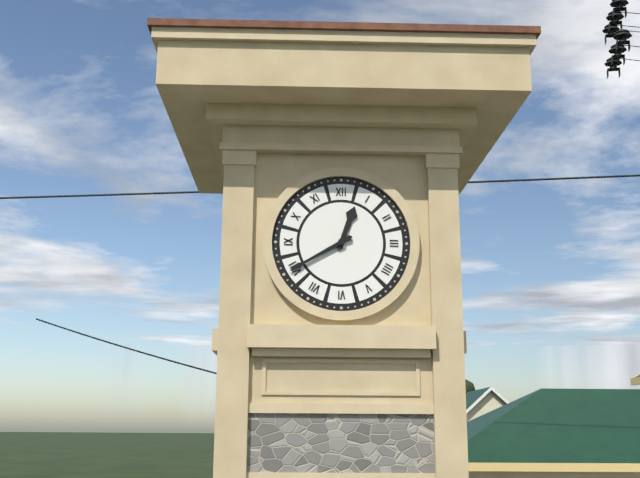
12:40
